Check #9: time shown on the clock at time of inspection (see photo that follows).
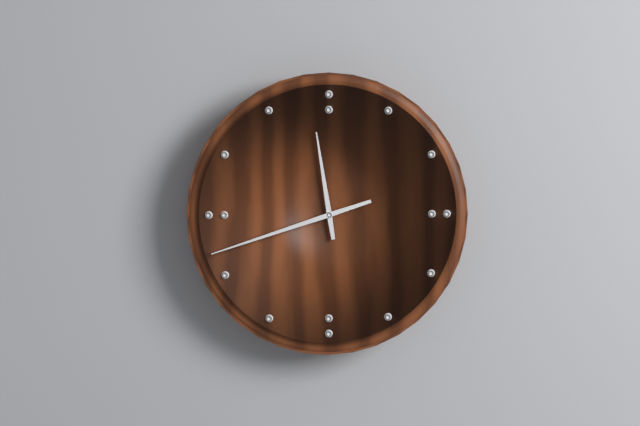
11:42
